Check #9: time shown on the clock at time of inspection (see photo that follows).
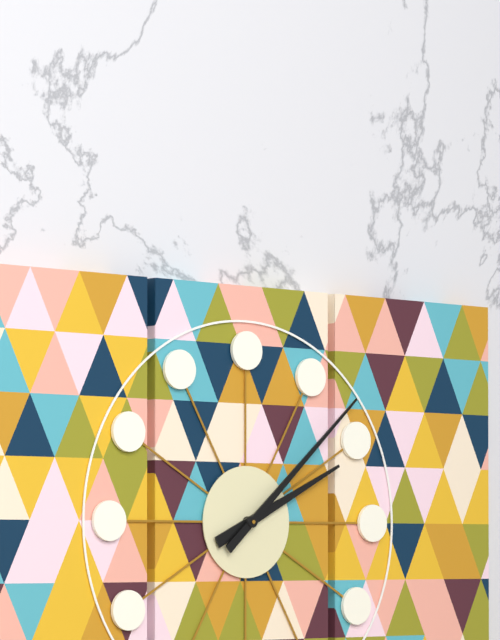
2:08
